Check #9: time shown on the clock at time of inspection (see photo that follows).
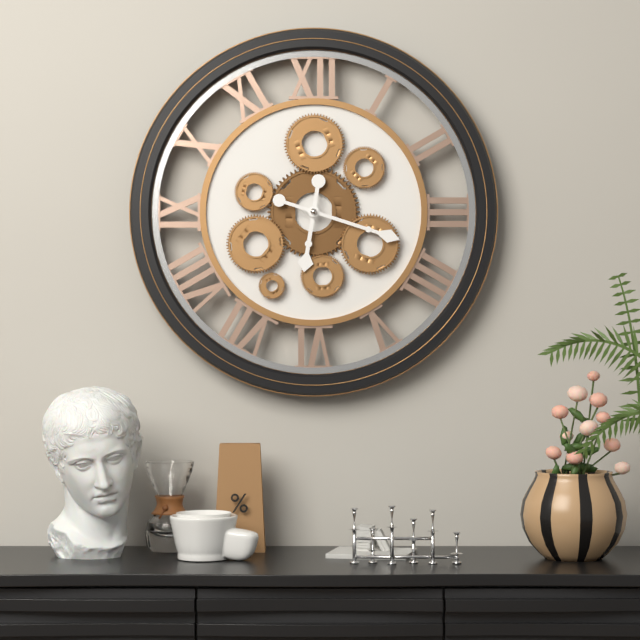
6:18
